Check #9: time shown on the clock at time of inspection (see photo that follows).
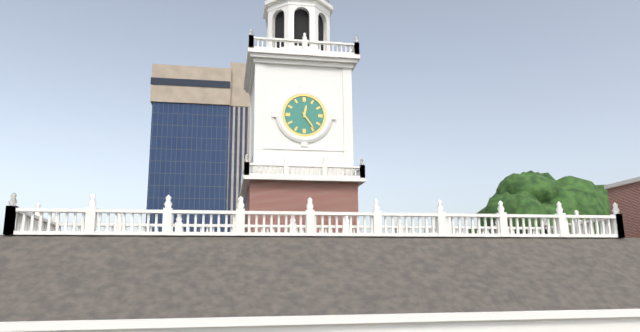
12:24
